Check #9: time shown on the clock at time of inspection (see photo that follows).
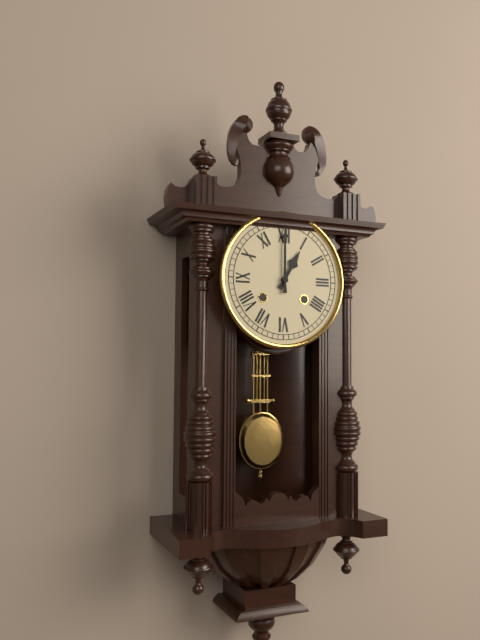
1:00
